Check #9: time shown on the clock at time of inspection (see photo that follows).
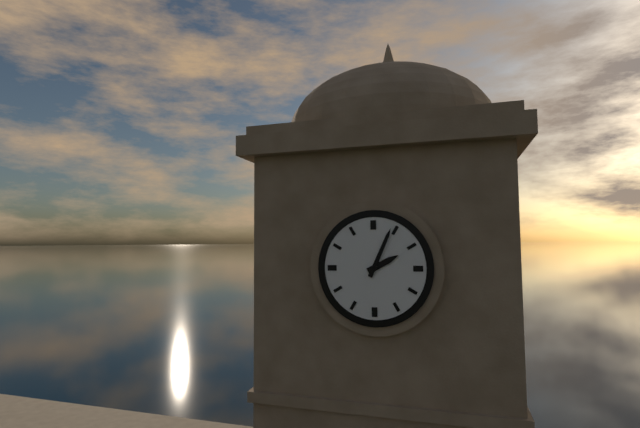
2:04
